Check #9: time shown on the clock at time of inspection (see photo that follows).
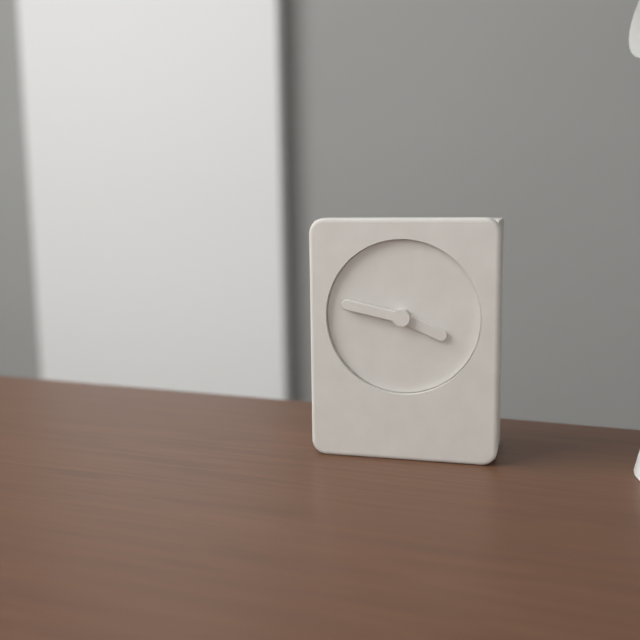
3:47
